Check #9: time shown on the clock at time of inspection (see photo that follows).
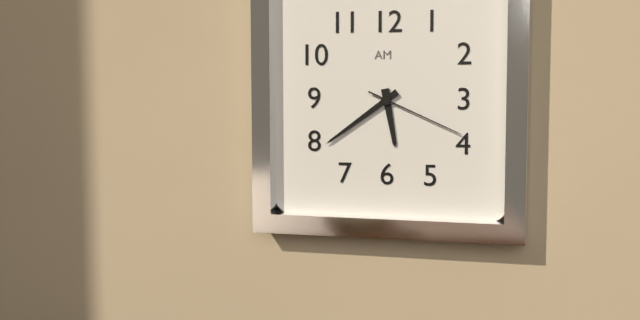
5:39:19
